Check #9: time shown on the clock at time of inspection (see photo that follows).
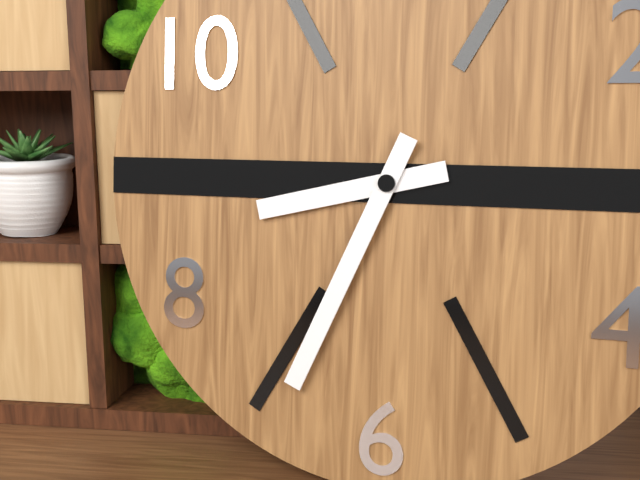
8:34
